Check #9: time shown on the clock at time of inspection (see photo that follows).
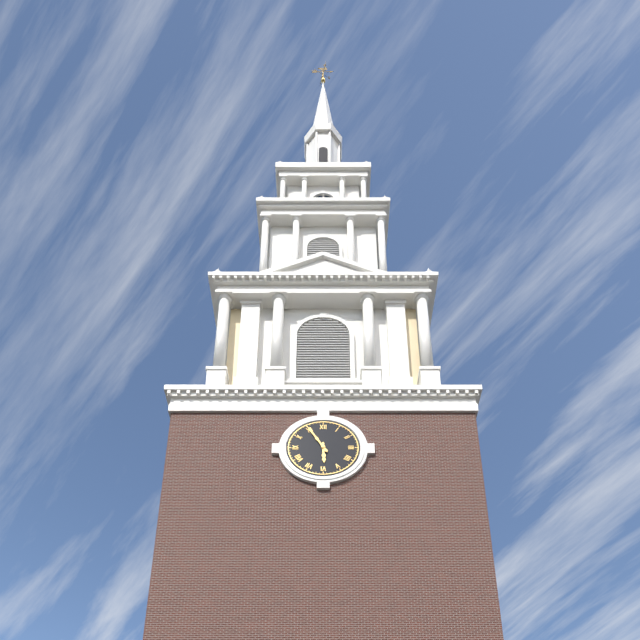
5:55
